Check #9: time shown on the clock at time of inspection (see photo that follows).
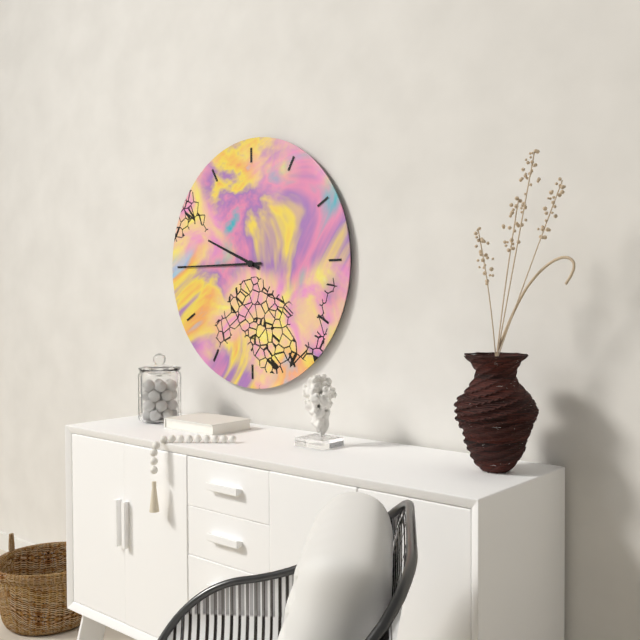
9:45
